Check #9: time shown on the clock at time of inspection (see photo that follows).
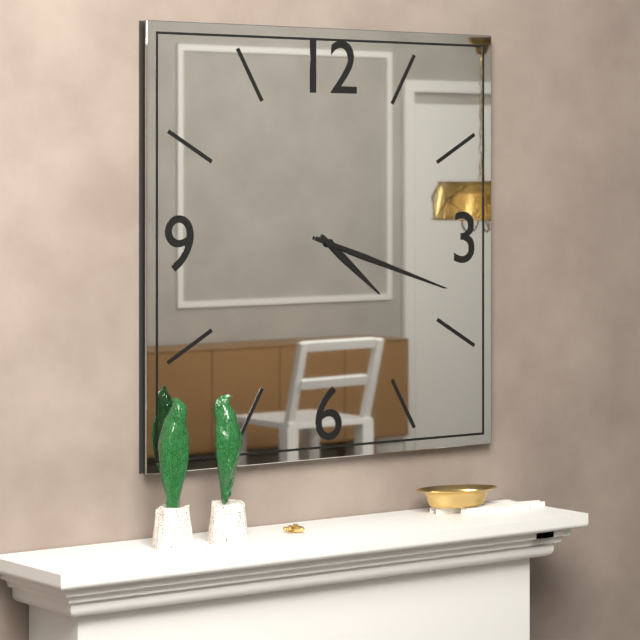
4:18
